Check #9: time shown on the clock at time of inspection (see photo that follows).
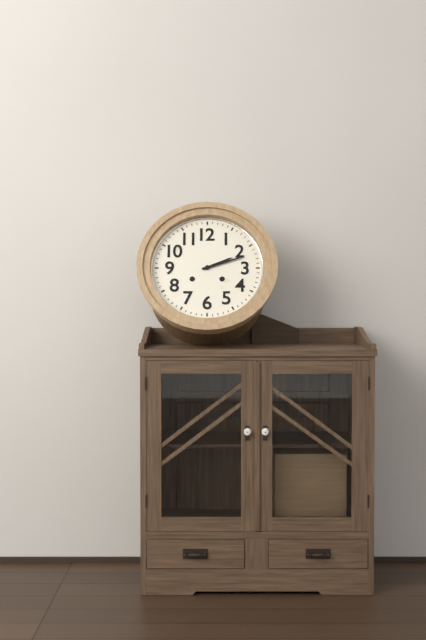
2:12
